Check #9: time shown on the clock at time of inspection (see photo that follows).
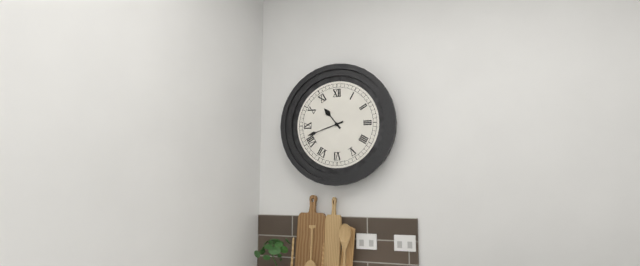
10:42
